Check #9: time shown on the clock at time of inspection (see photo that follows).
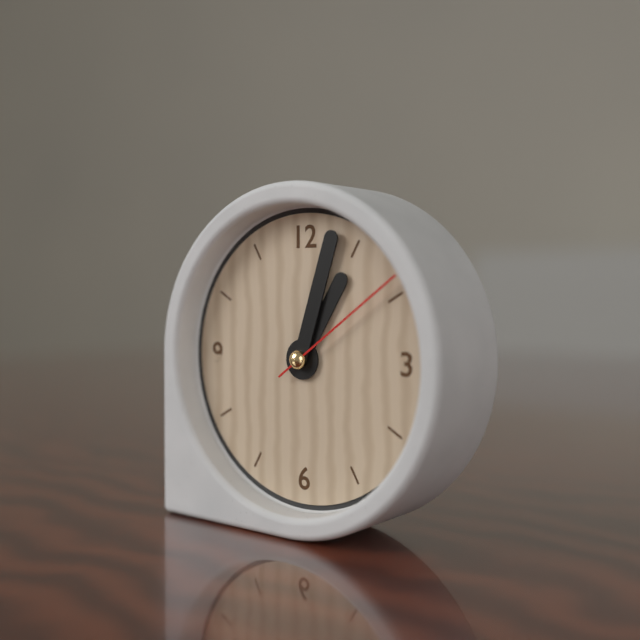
1:03:09
